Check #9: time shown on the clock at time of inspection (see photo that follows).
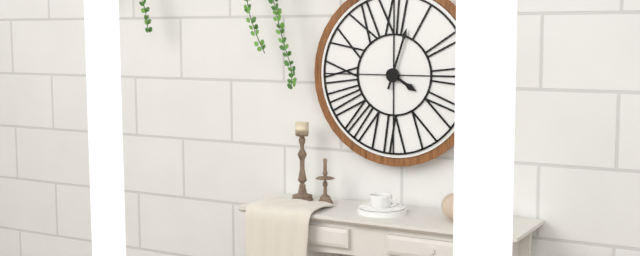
4:03
